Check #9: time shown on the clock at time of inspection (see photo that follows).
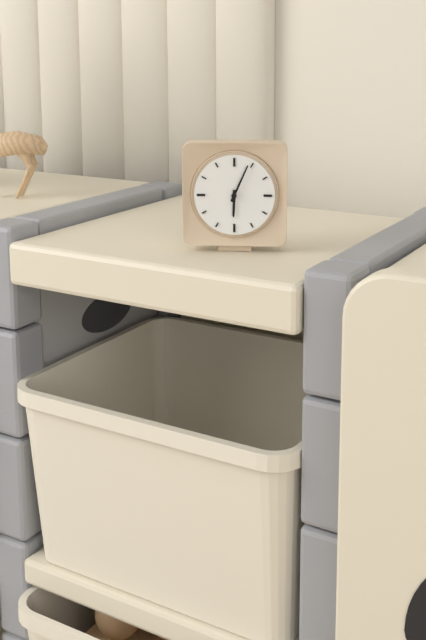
6:04
